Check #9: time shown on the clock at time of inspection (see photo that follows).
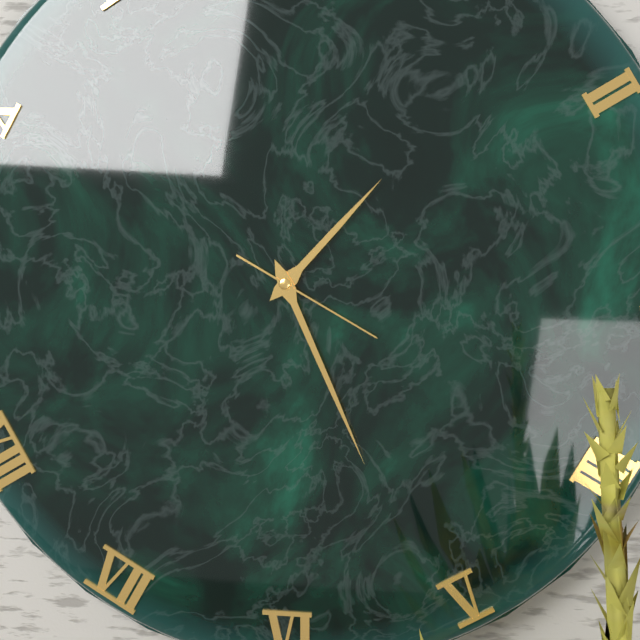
1:26:20
